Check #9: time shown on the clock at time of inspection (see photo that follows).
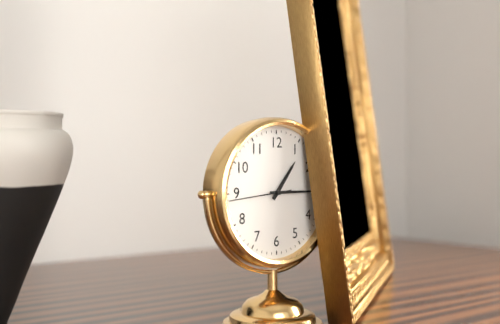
1:15:44
